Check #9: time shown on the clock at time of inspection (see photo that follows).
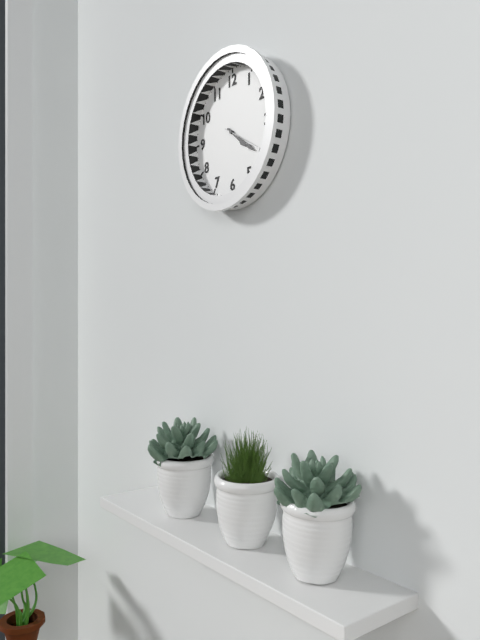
4:21
